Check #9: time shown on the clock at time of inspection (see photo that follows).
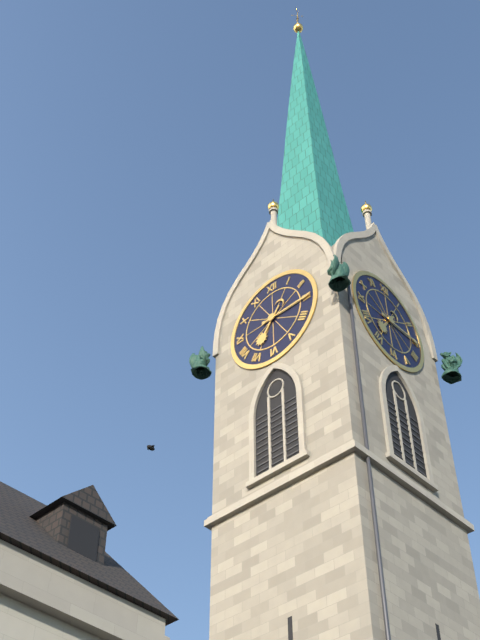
7:15
